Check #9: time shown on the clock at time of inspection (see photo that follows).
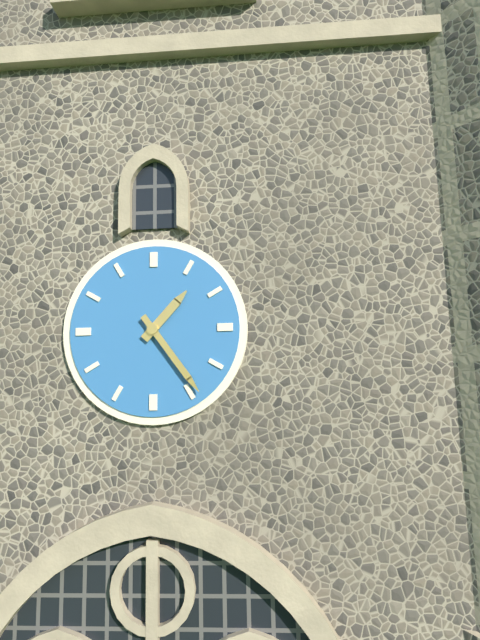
1:24
